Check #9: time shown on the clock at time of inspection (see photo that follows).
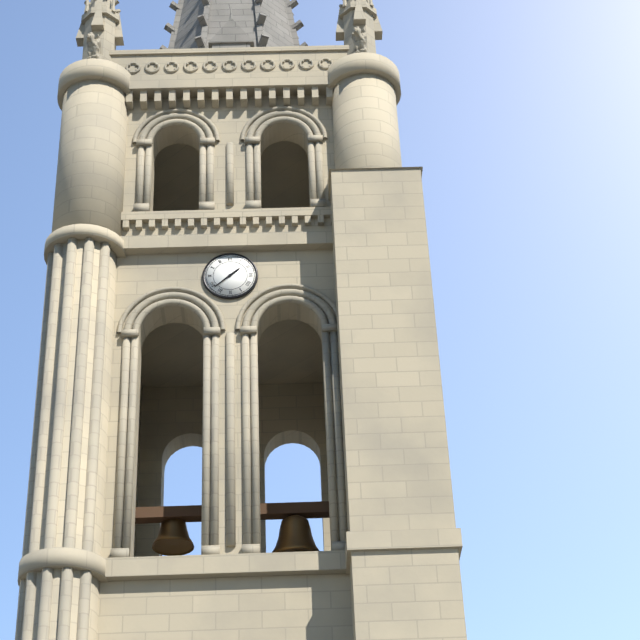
1:38
